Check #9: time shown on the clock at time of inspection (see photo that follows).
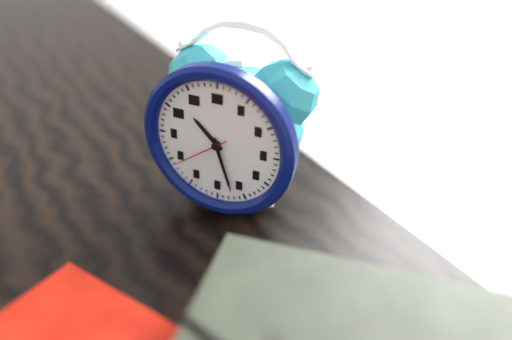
10:27:39
